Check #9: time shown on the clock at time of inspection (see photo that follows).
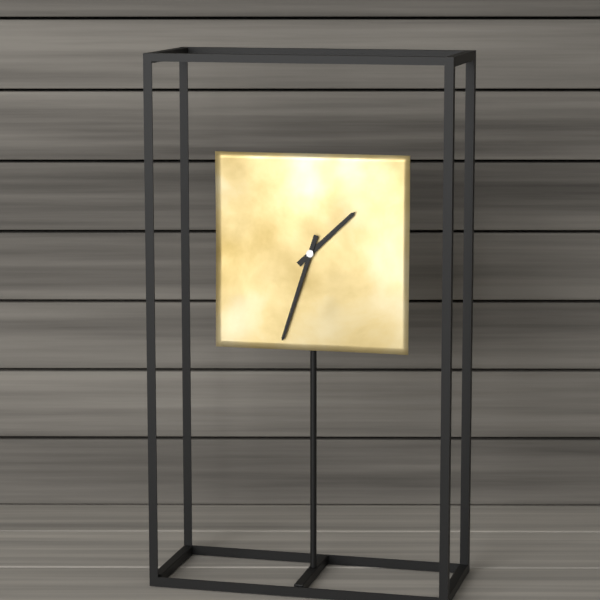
1:33
